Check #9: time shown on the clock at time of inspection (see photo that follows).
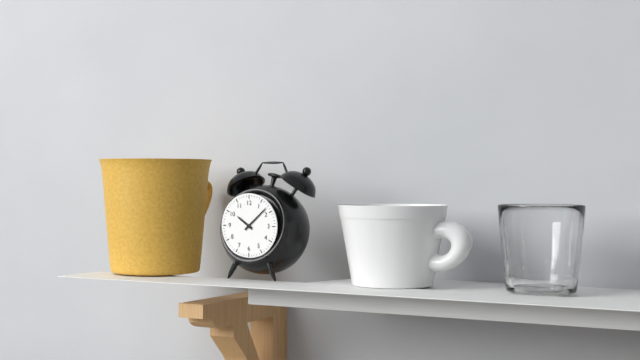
10:08
